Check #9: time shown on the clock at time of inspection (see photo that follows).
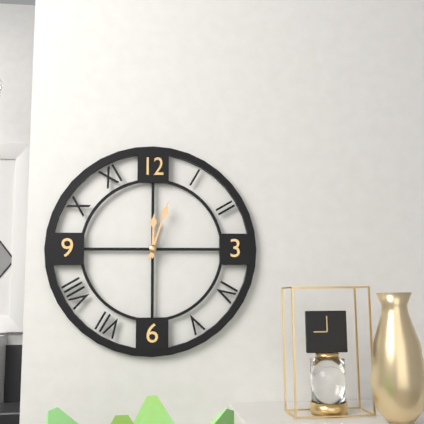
12:03
